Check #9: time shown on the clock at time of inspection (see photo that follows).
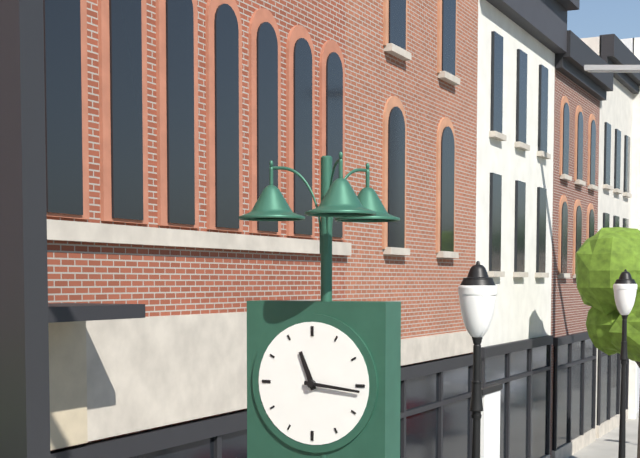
11:16
